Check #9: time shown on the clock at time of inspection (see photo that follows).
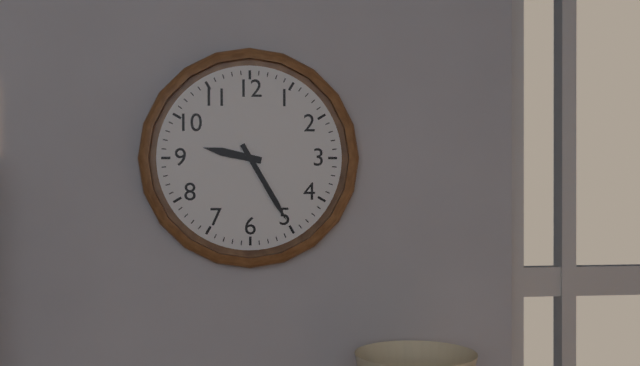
9:25
